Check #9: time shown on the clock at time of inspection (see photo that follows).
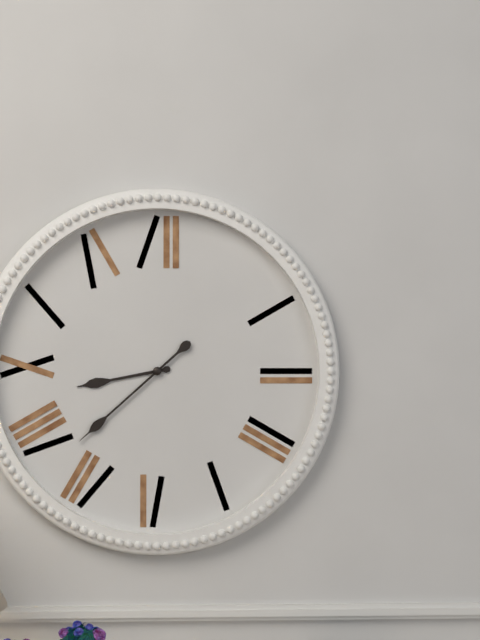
8:38
